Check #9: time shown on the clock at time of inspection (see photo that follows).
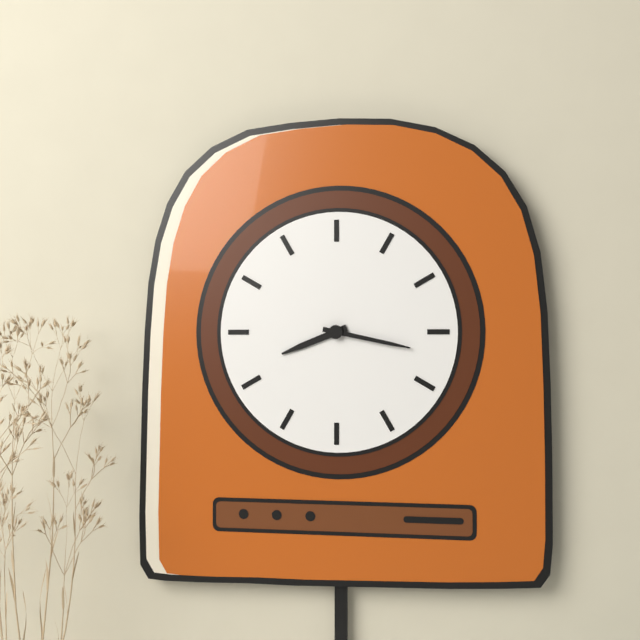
8:17
